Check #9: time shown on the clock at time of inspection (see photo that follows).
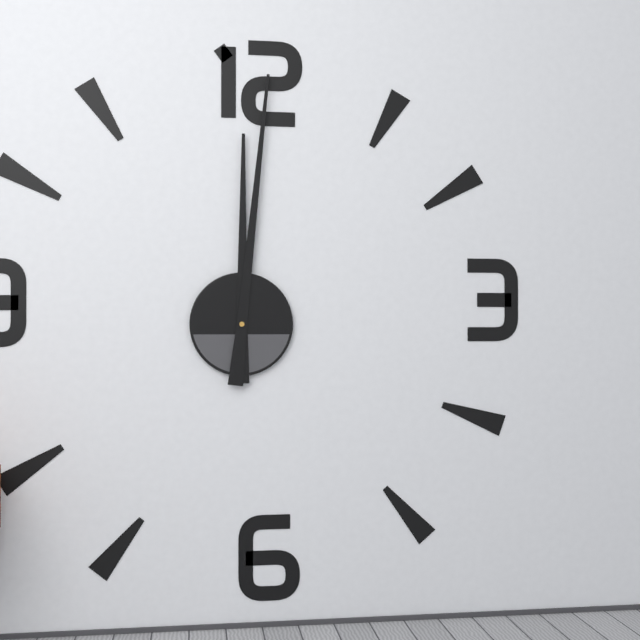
12:01
